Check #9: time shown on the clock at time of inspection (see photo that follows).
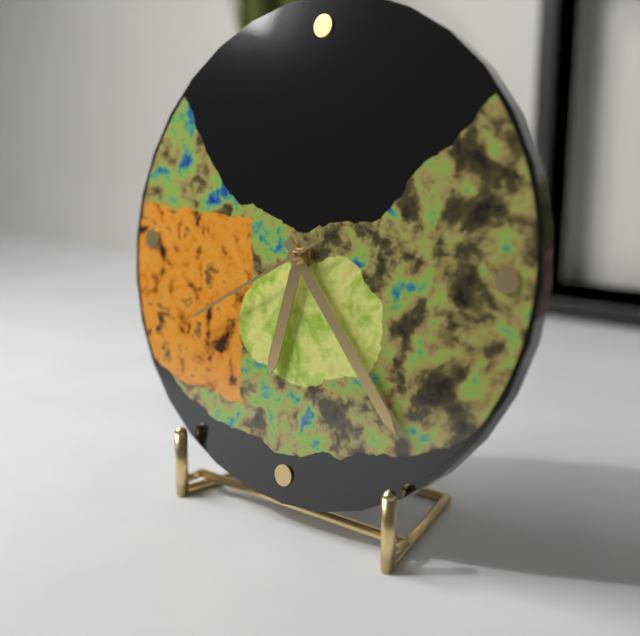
6:23:40
